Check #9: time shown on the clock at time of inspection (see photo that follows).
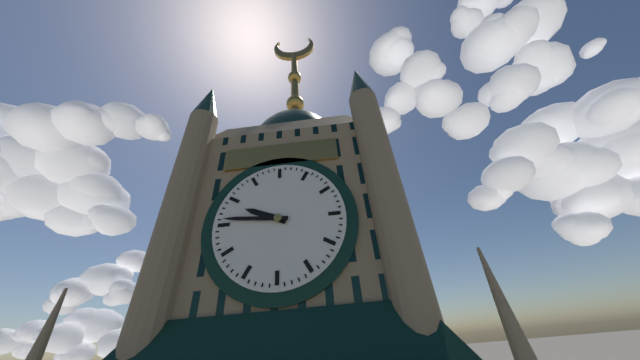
9:46
